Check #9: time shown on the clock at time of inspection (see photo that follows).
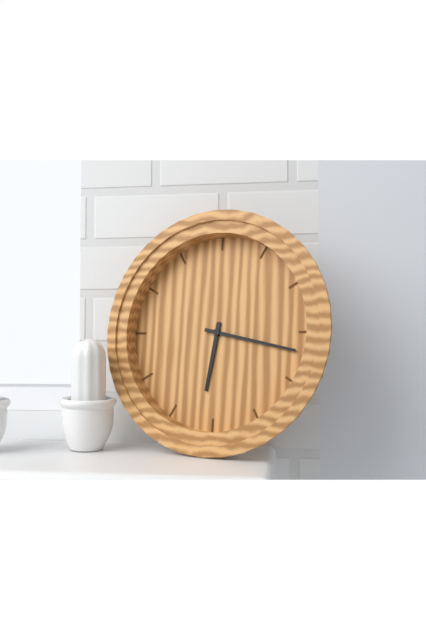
6:17
